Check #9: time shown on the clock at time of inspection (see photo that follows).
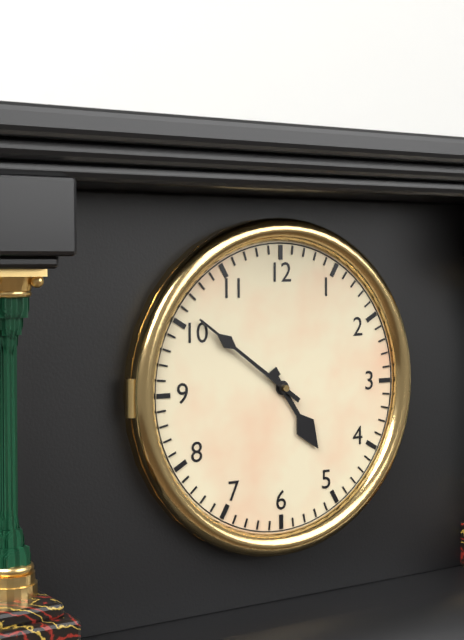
4:51
